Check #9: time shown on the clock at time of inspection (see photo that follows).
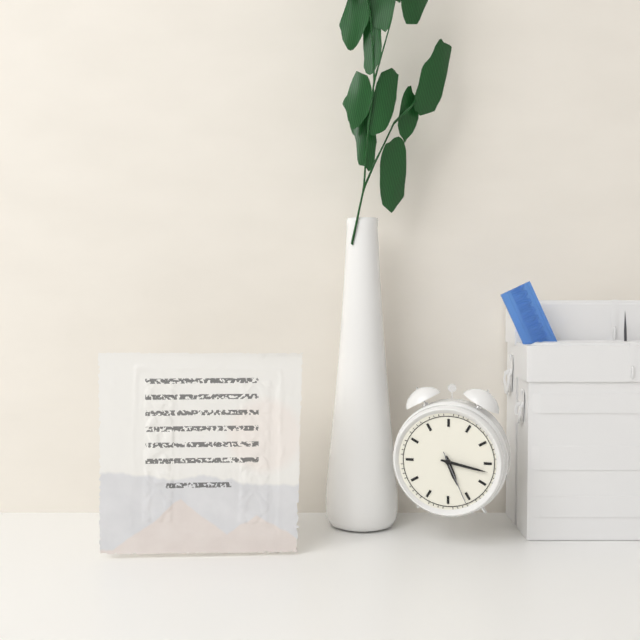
5:17:26
